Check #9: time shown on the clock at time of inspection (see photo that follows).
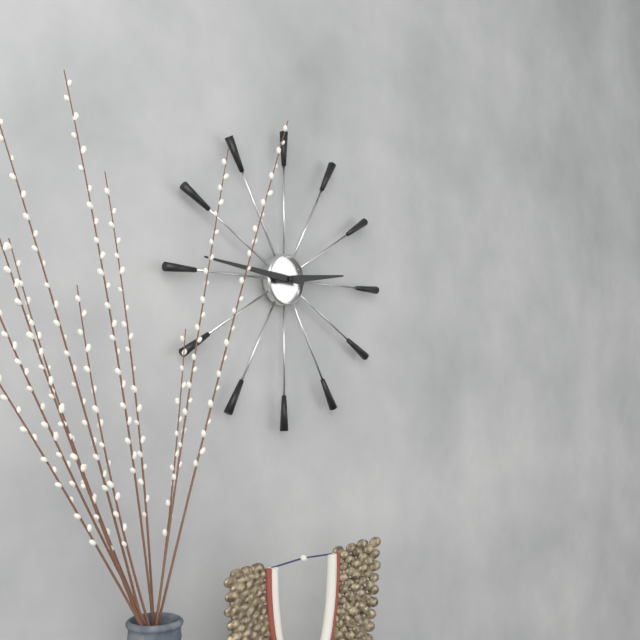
2:46
